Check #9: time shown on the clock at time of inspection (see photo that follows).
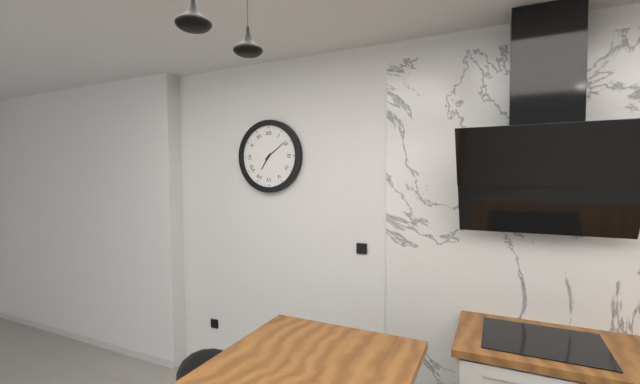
7:09
